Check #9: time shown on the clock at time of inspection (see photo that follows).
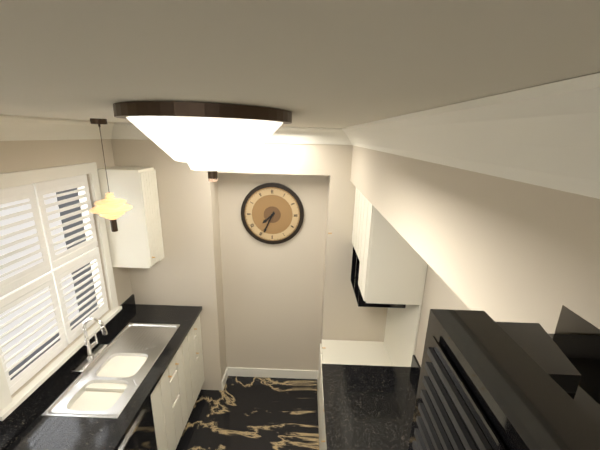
7:34
